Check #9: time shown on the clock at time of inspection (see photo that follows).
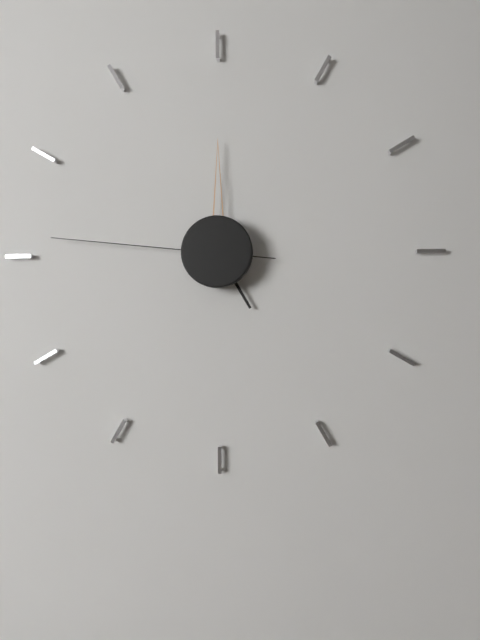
5:00:46
